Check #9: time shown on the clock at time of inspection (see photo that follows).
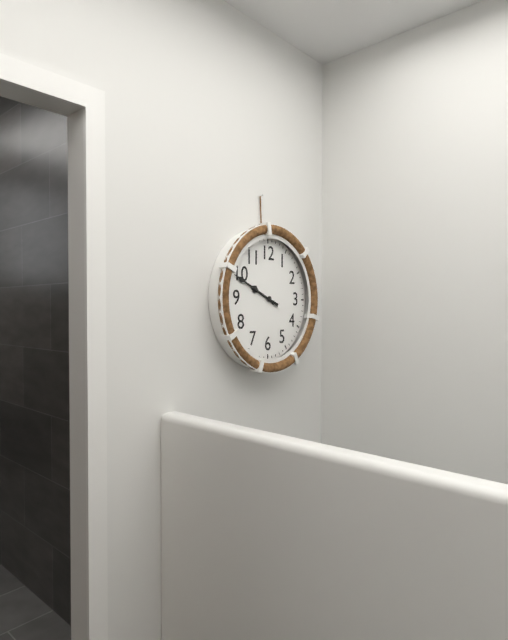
9:49
